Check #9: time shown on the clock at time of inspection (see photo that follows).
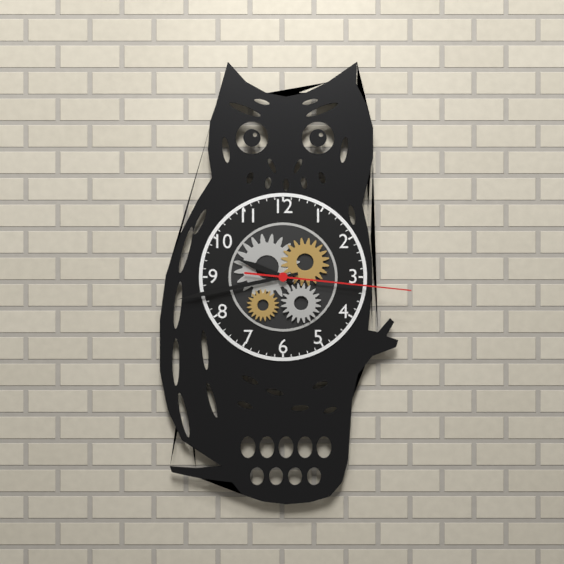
9:43:16
